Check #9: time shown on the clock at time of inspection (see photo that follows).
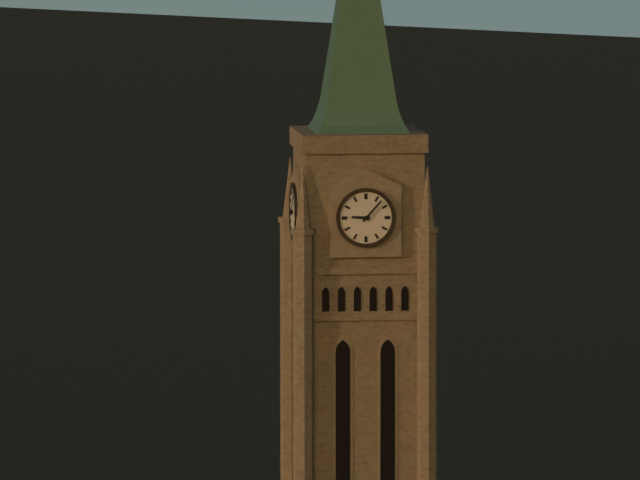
9:07
